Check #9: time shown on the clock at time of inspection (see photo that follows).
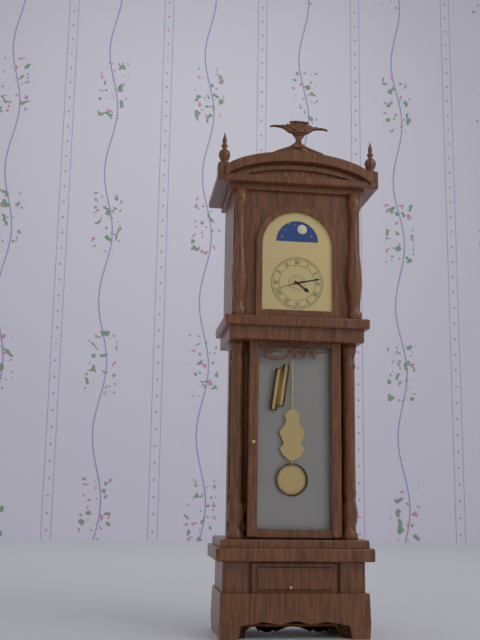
4:13
